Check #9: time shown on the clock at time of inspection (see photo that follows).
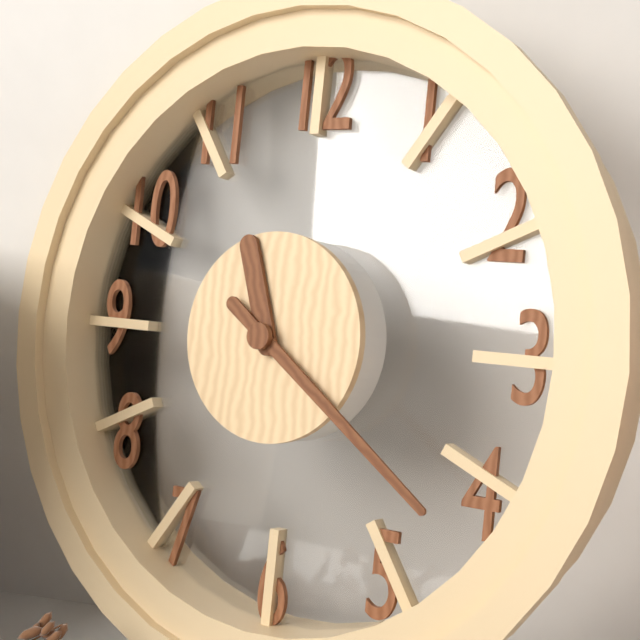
11:21
